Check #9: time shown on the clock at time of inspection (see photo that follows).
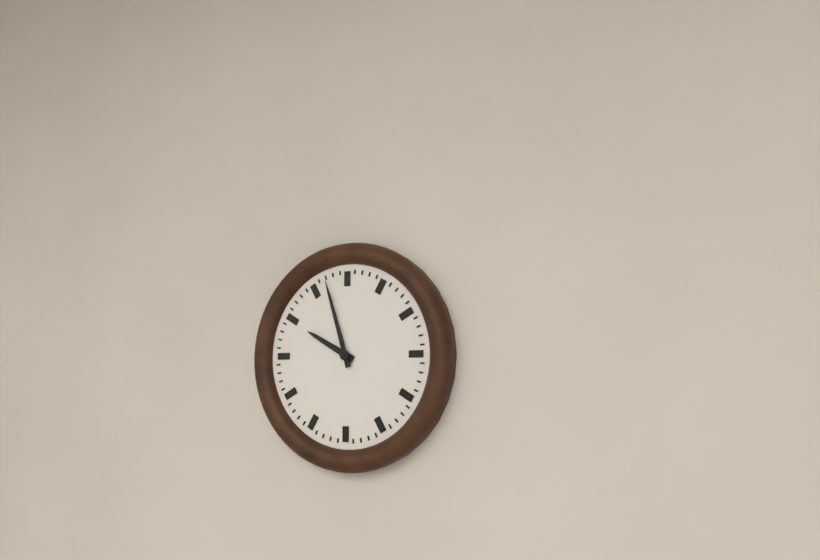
9:57
